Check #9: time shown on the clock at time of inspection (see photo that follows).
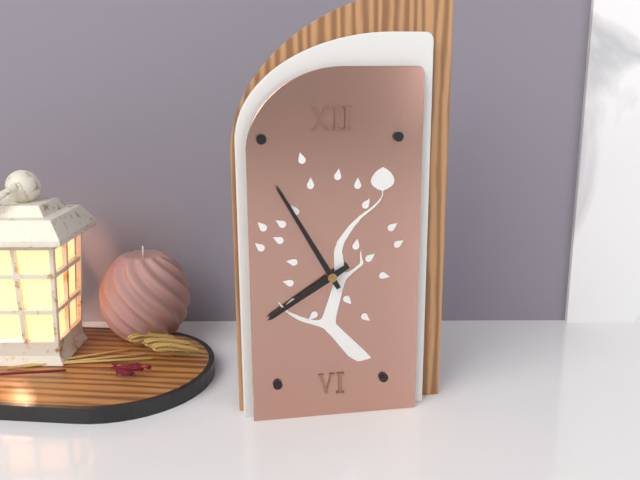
7:55
